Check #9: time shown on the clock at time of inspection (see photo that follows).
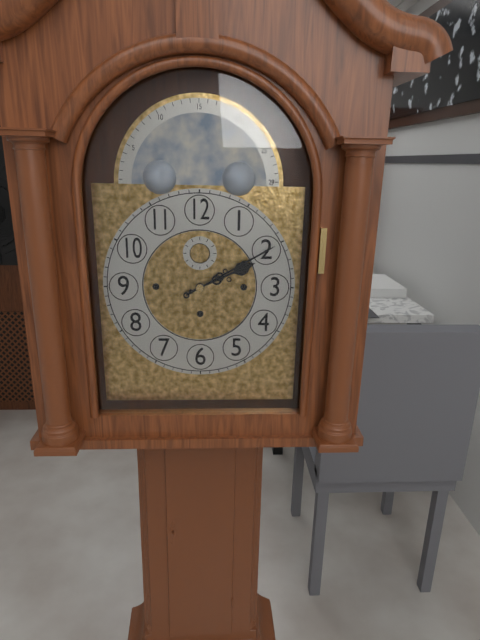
2:10
